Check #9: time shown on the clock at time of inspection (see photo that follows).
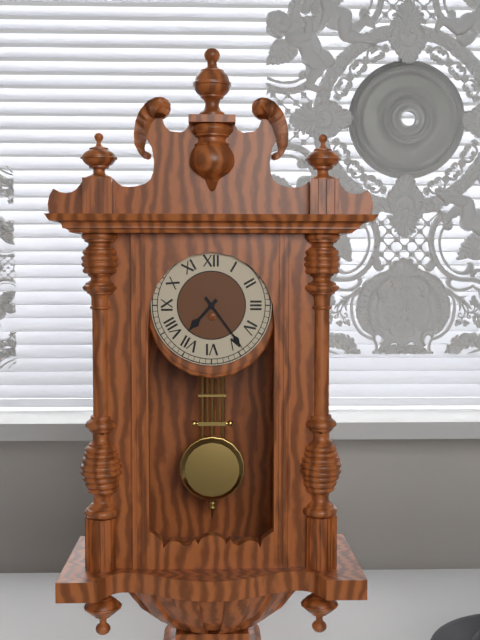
7:24
